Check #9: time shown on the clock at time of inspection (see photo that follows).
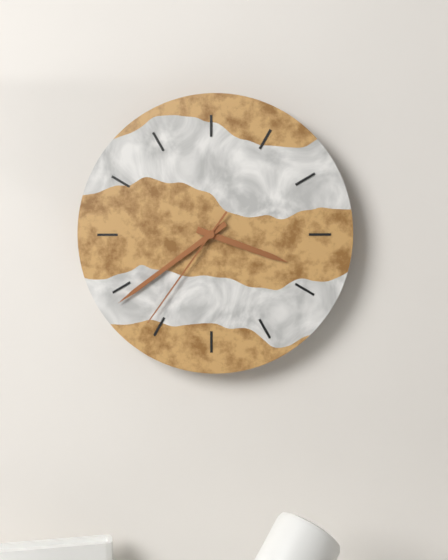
3:39:36
